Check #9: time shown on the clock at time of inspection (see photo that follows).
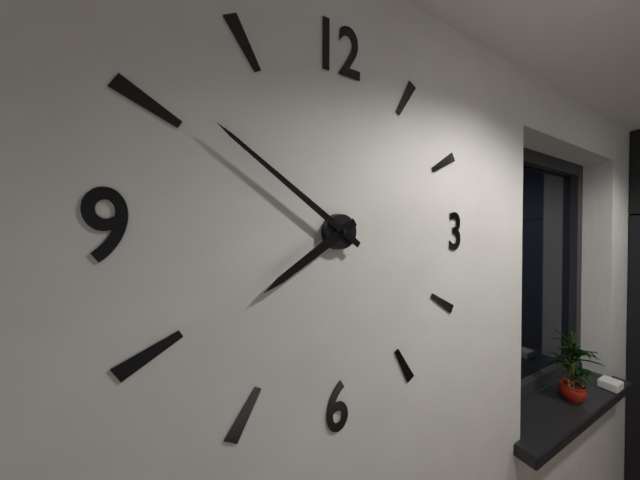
7:51
